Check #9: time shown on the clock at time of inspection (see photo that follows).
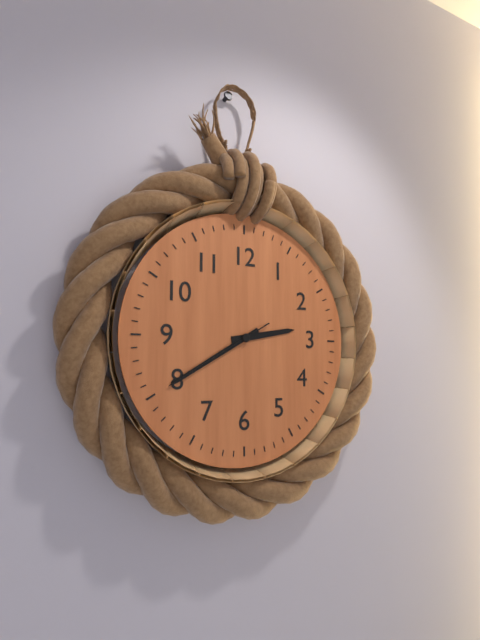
2:40:40
